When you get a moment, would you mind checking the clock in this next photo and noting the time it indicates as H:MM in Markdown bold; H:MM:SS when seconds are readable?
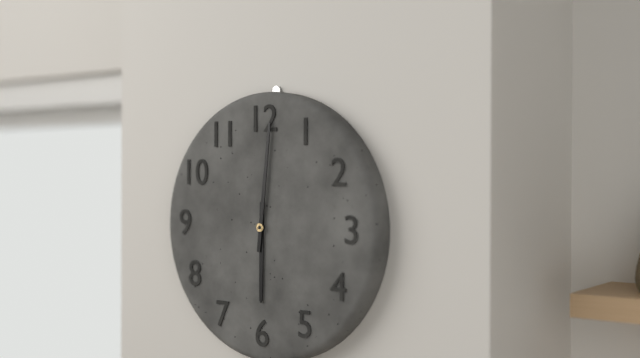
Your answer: **6:01**
